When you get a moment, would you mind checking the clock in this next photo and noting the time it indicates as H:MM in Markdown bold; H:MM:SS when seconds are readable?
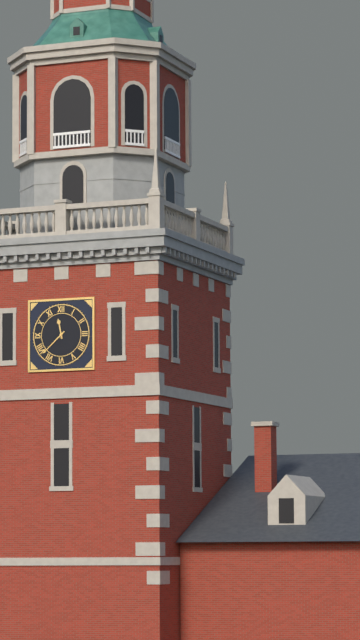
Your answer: **11:38**
